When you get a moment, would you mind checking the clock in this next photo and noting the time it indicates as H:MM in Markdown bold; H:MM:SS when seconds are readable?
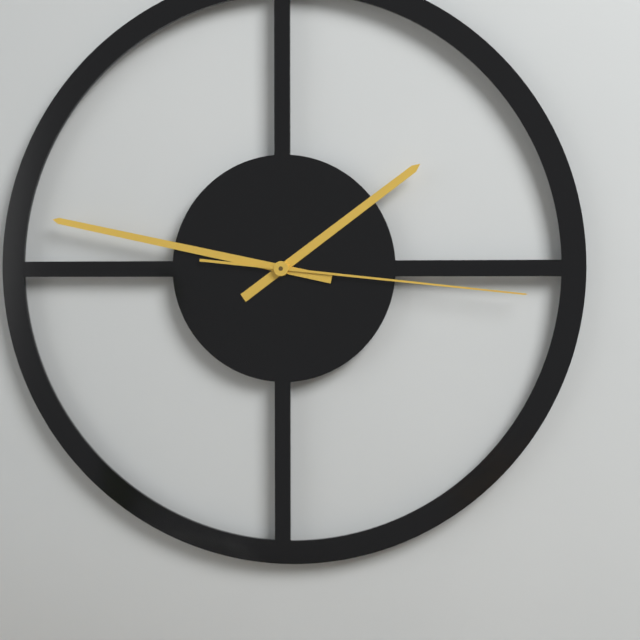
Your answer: **1:47:16**
